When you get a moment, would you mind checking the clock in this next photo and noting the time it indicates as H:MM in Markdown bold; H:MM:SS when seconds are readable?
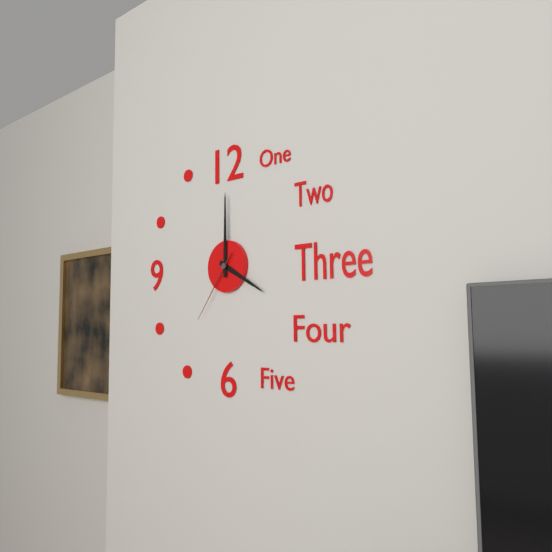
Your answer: **4:00:36**
